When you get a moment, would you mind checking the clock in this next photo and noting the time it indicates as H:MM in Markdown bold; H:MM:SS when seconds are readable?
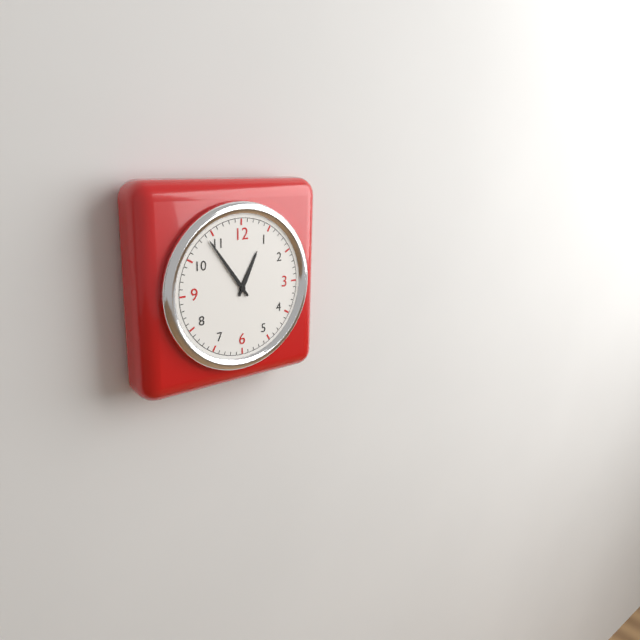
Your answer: **12:54**
